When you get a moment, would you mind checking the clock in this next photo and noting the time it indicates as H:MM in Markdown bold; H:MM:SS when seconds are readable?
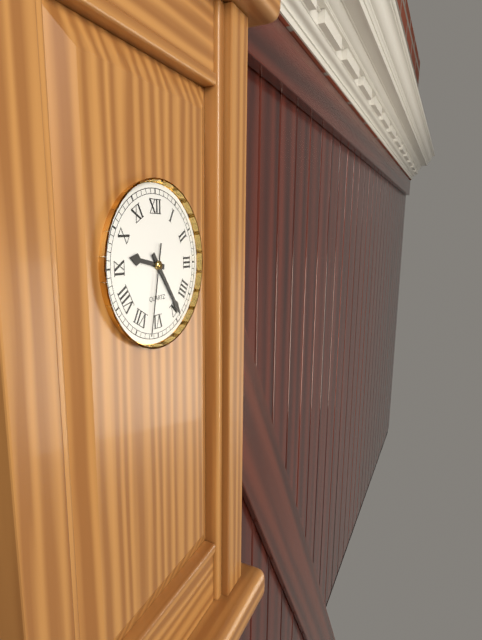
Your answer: **9:24:32**
